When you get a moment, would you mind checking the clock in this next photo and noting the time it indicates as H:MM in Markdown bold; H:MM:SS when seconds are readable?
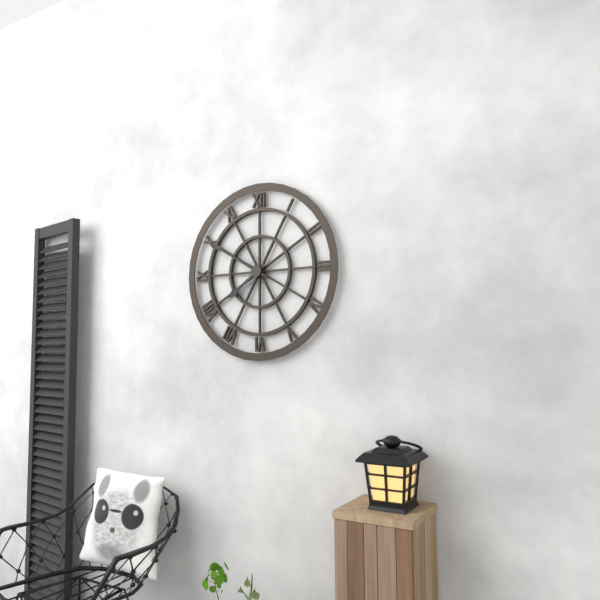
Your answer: **7:50**
